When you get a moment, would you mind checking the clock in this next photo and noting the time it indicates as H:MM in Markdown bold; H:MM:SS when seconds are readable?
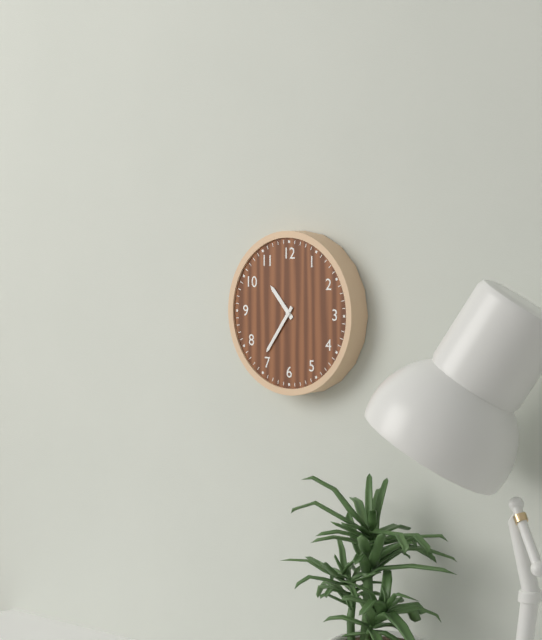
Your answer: **10:36**
